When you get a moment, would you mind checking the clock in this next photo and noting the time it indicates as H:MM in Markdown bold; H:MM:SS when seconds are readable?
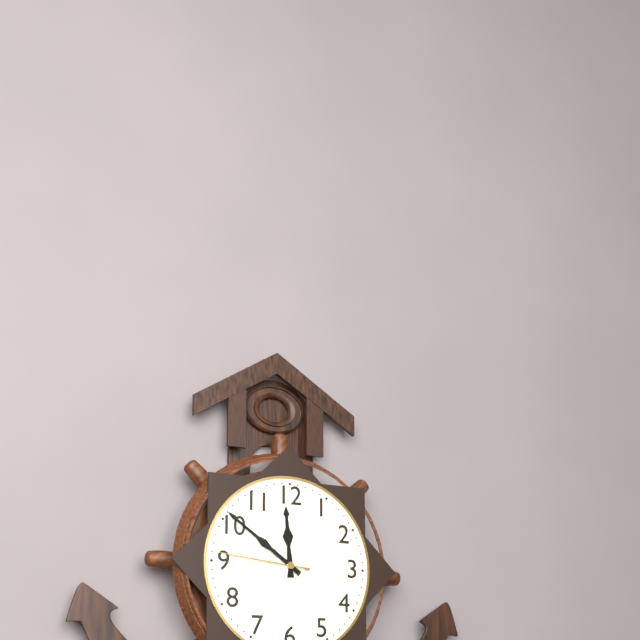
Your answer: **11:51:46**
